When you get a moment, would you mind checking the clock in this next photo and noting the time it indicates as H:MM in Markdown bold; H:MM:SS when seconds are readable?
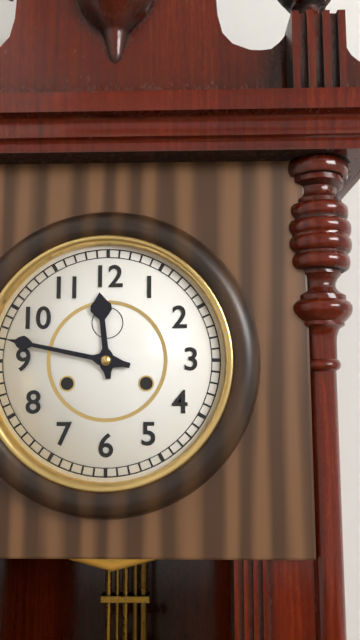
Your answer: **11:47**
